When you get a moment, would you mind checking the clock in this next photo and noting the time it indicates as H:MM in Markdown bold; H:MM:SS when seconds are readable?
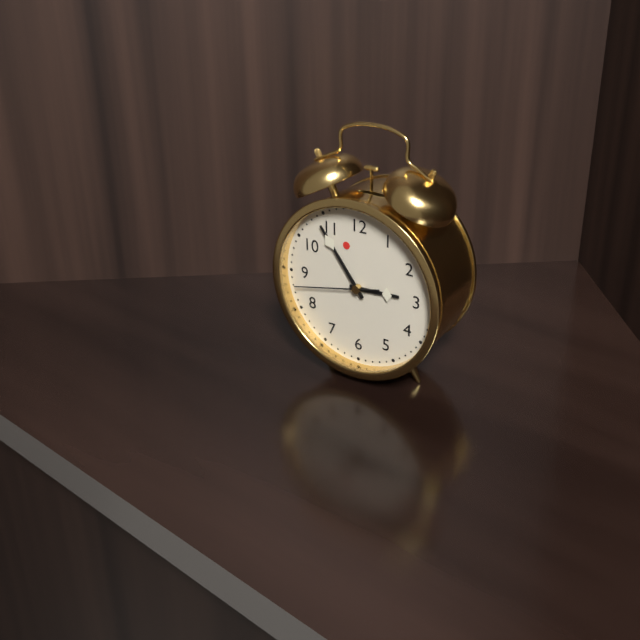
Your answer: **2:54:43**
